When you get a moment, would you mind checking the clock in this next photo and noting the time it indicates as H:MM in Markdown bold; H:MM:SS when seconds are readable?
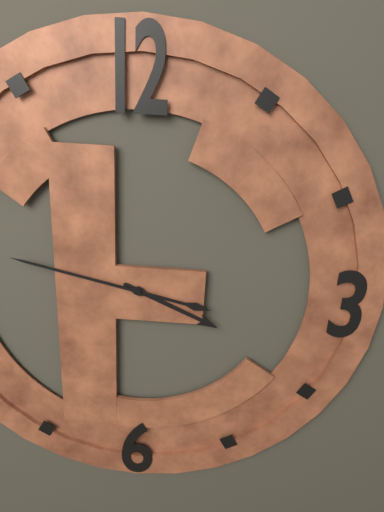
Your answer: **3:47**
